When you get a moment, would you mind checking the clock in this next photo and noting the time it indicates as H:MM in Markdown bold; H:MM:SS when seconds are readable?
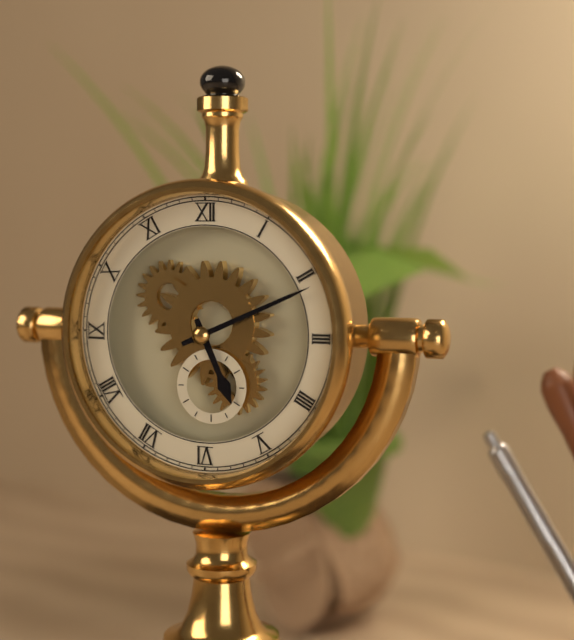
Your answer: **5:11**
